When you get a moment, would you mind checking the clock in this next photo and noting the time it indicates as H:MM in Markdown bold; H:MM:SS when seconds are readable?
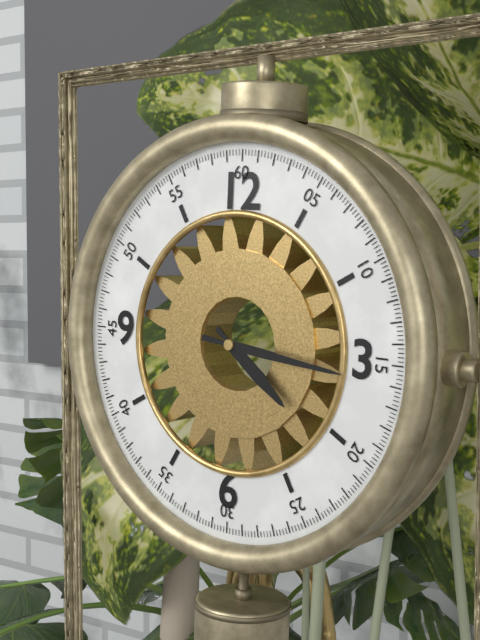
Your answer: **4:16**
